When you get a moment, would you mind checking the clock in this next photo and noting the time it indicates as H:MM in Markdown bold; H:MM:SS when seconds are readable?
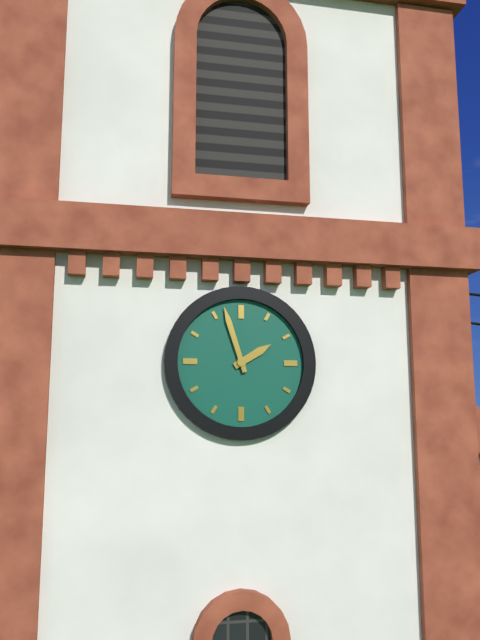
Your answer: **1:57**
